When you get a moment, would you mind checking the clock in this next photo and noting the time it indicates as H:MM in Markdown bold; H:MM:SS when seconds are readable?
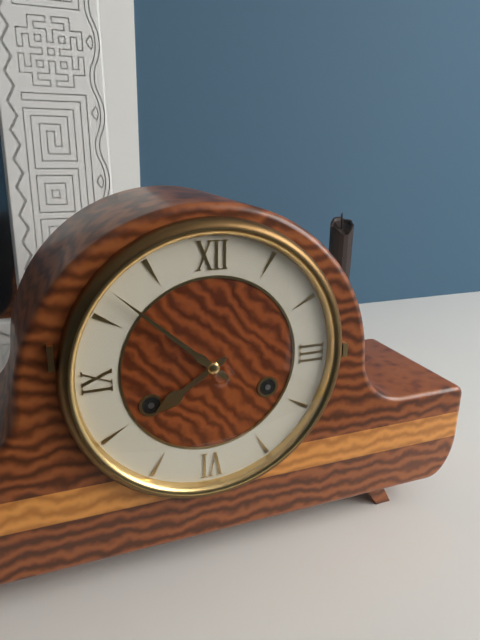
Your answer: **7:52**
